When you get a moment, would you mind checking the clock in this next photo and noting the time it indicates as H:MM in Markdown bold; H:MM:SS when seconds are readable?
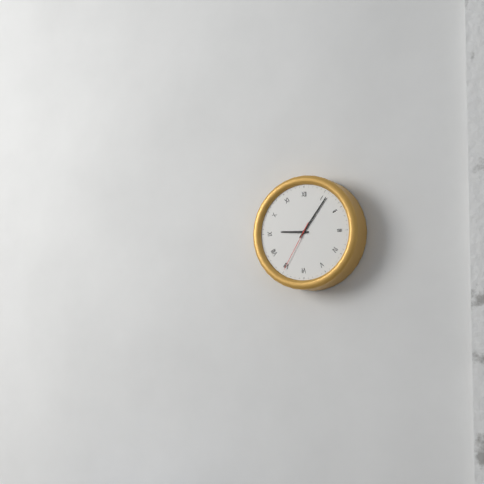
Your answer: **9:06:35**
